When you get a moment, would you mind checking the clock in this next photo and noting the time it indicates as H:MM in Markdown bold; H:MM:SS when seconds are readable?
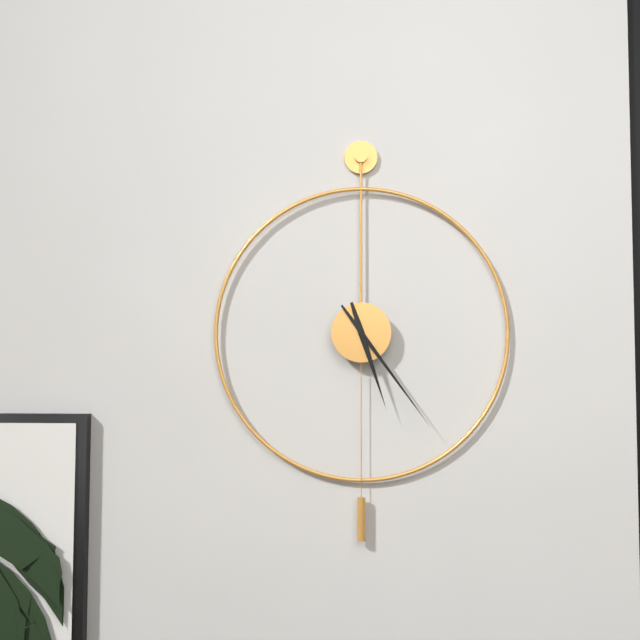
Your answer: **5:24**
